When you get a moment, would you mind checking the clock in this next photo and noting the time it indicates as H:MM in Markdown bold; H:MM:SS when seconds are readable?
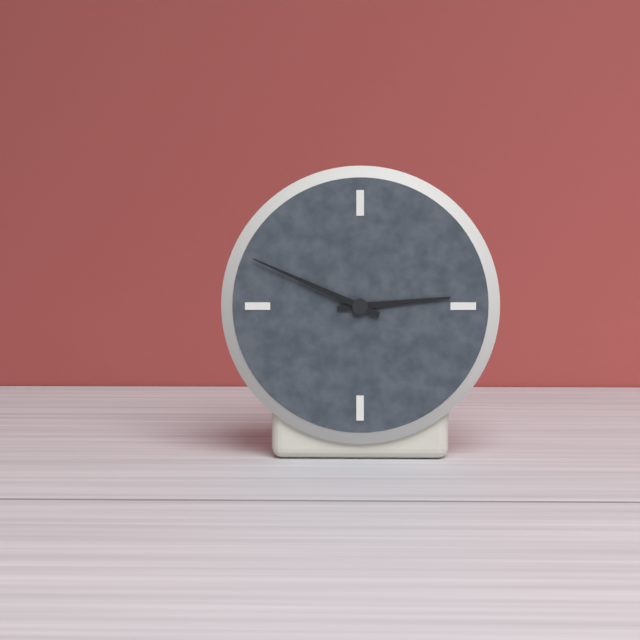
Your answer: **2:49**
